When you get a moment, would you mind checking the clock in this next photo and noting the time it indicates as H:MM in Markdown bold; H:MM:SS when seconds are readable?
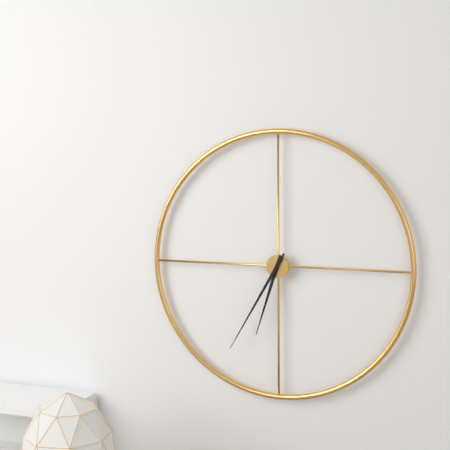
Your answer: **6:35**
